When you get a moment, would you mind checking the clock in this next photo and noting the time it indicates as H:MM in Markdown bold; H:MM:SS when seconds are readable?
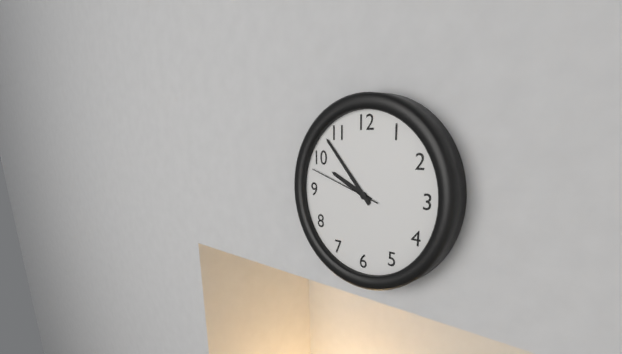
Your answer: **9:53:48**
